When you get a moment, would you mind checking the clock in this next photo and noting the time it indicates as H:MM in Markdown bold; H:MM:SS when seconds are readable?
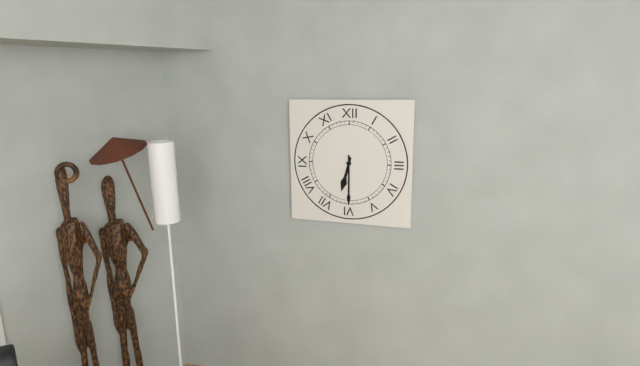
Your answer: **6:30**
